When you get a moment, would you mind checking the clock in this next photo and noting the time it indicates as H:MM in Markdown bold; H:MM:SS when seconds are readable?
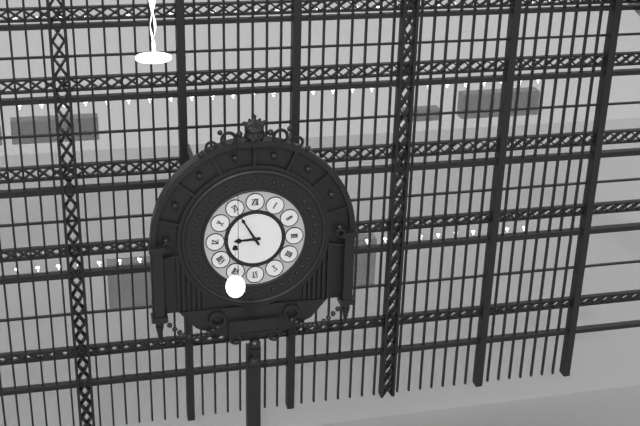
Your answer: **8:55**
